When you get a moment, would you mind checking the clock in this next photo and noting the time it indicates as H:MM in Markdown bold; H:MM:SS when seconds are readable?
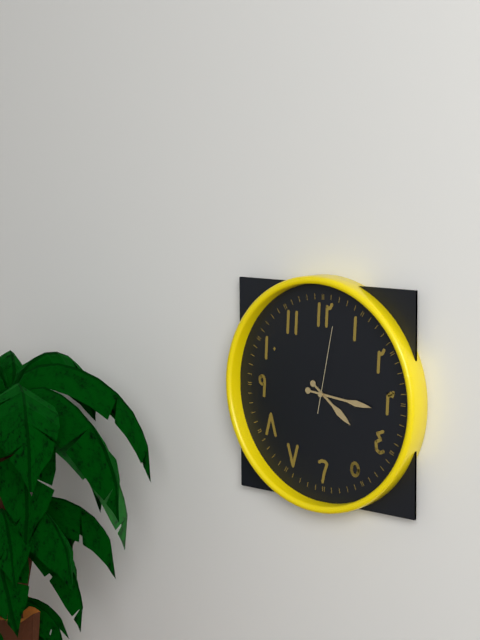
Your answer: **4:16:02**
